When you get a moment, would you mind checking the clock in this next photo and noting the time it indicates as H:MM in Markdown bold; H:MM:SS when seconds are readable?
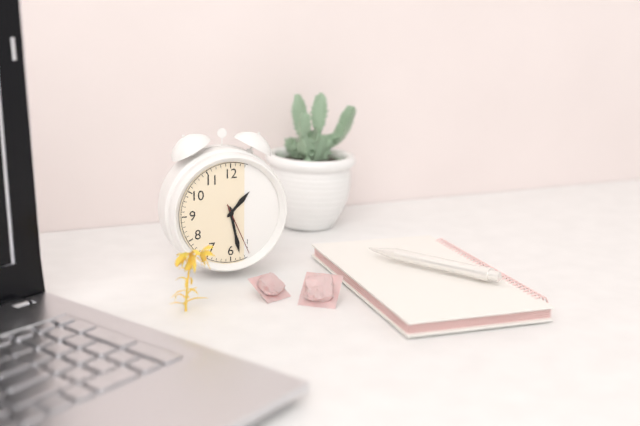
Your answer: **1:28:26**
